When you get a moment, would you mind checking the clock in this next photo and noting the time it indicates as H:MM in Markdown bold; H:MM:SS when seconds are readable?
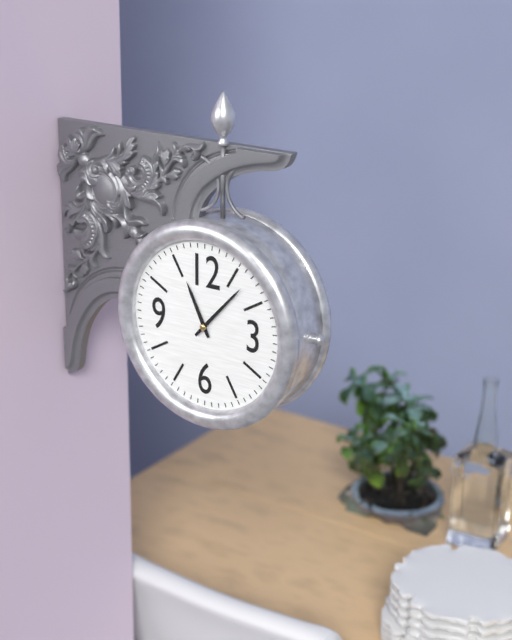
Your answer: **11:07**
